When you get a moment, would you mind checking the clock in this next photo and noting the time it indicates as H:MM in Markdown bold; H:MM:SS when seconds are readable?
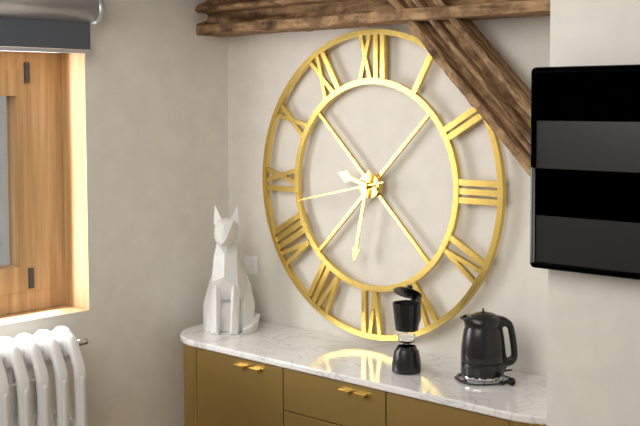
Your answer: **9:32:43**
